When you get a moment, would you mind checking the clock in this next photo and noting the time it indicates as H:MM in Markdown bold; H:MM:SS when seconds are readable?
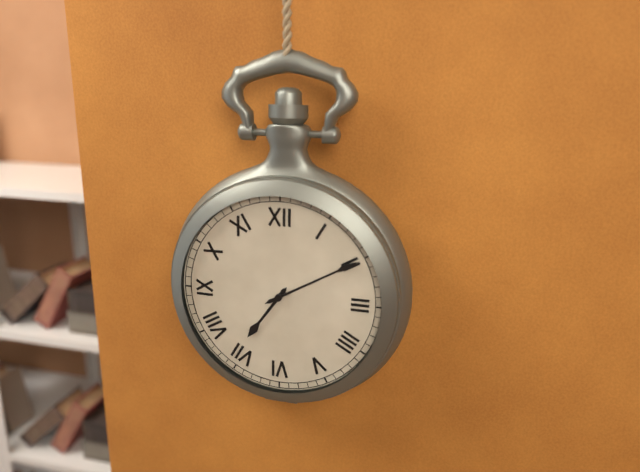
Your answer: **7:10**
